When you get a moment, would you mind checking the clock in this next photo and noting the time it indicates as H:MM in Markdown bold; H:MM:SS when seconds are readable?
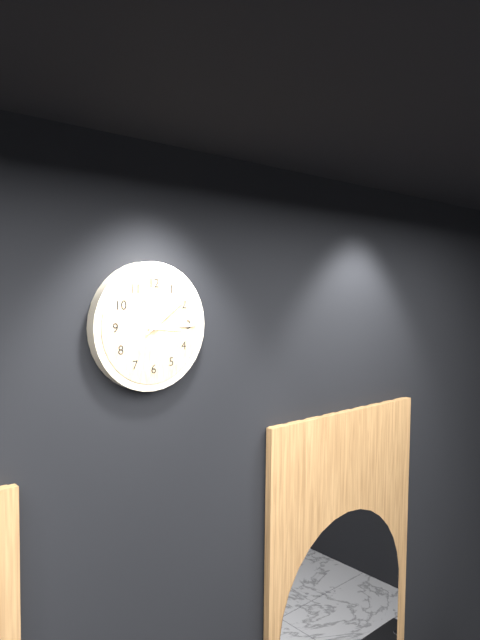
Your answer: **3:15:09**
